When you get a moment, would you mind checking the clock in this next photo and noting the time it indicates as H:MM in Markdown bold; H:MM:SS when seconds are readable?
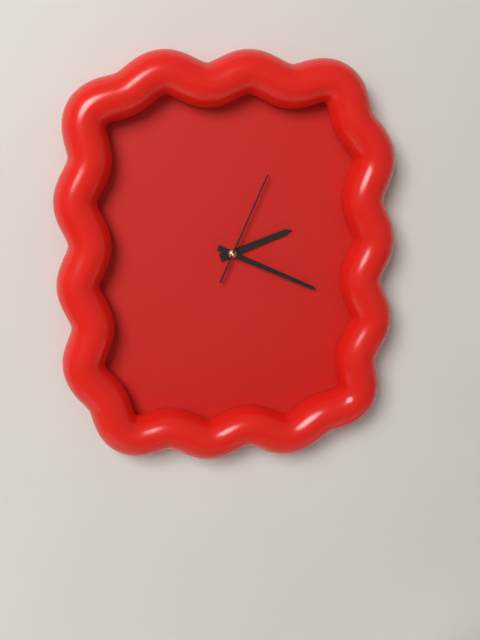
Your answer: **2:19:04**
